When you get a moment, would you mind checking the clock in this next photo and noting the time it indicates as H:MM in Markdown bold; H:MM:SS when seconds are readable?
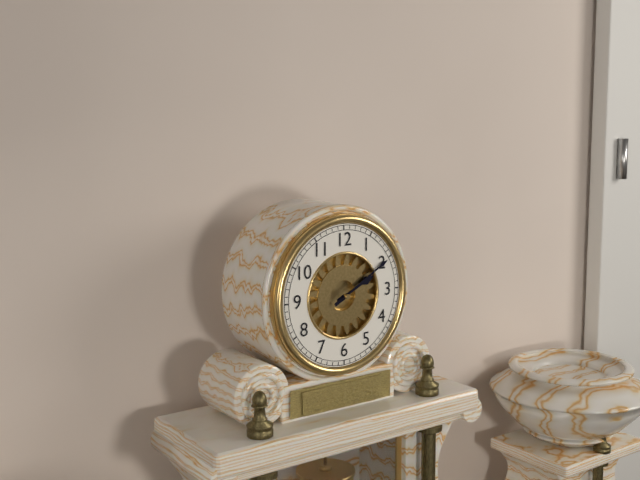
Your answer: **2:10**
